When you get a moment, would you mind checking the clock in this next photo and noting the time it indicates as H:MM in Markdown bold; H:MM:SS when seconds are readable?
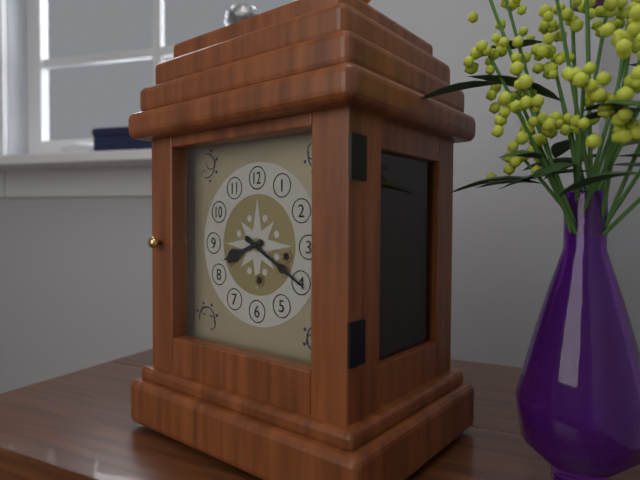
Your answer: **8:20**
